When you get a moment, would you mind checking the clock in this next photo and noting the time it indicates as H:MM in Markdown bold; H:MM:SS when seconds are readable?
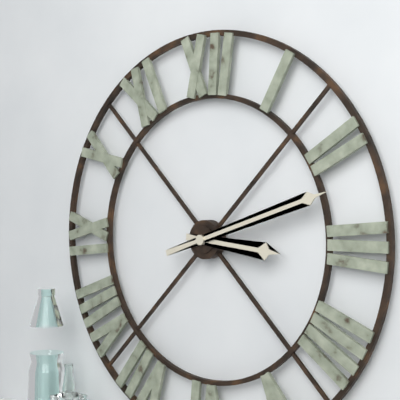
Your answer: **3:12**
